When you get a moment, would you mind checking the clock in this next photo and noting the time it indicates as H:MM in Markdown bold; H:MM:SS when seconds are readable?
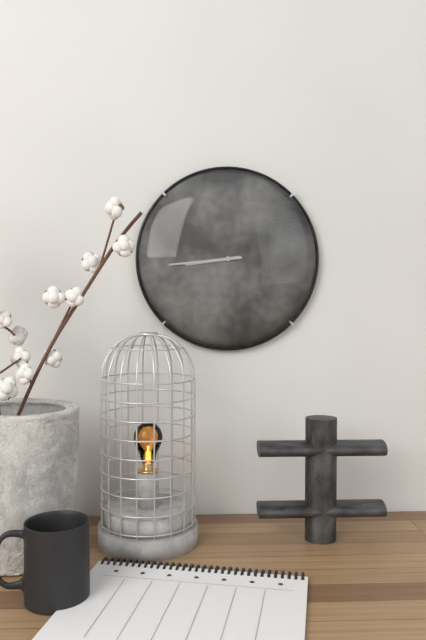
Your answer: **8:44**
